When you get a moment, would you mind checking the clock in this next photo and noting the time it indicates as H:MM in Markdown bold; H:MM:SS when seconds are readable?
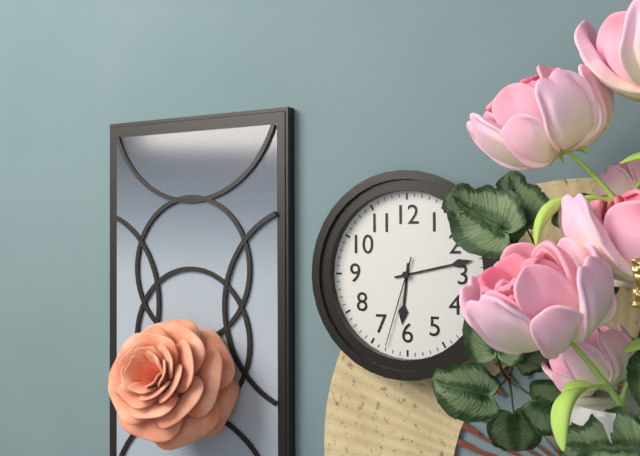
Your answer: **6:13:33**
